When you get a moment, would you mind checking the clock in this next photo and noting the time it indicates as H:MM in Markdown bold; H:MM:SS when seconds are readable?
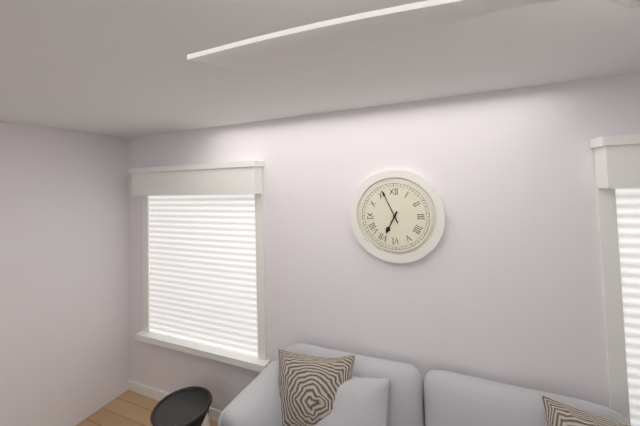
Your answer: **6:56**
